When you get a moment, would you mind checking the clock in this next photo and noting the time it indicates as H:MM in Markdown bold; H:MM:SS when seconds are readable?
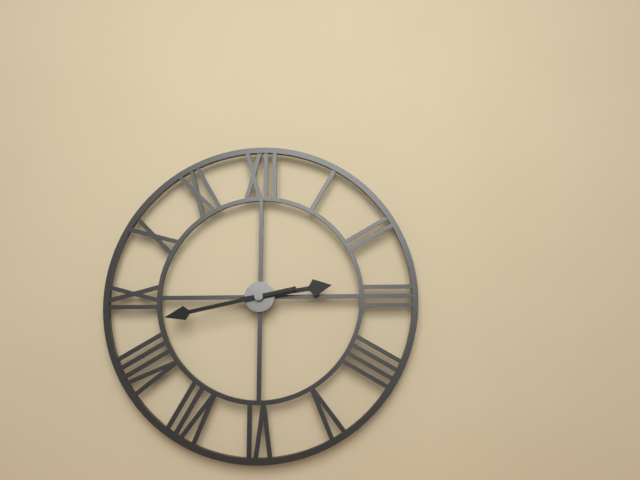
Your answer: **2:43**
